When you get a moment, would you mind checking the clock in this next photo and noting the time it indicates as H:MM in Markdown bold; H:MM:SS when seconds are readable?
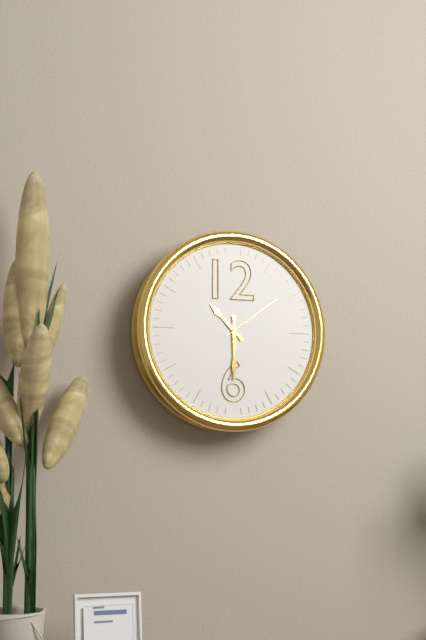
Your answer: **10:30:09**
